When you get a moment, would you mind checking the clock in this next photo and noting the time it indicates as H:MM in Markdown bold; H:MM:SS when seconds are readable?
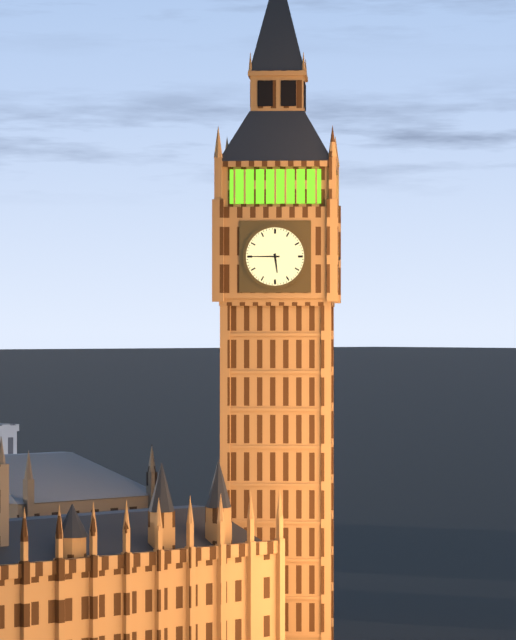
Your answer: **5:45**
